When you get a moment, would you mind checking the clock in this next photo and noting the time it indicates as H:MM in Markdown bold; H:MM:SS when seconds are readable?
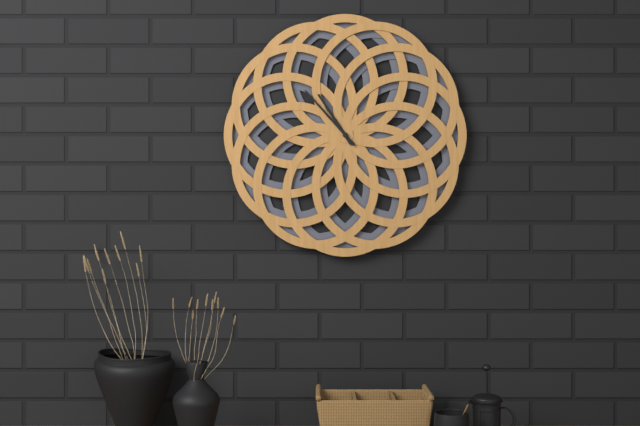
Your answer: **10:53**
